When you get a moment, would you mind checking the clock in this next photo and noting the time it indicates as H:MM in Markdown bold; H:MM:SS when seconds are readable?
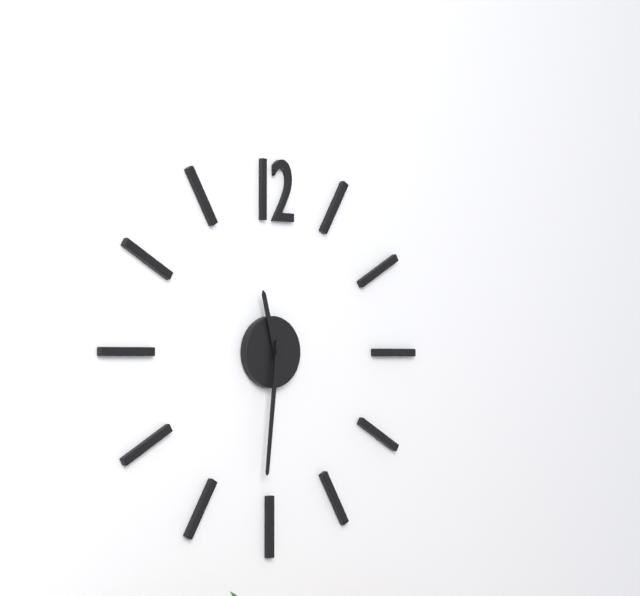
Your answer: **11:31**
